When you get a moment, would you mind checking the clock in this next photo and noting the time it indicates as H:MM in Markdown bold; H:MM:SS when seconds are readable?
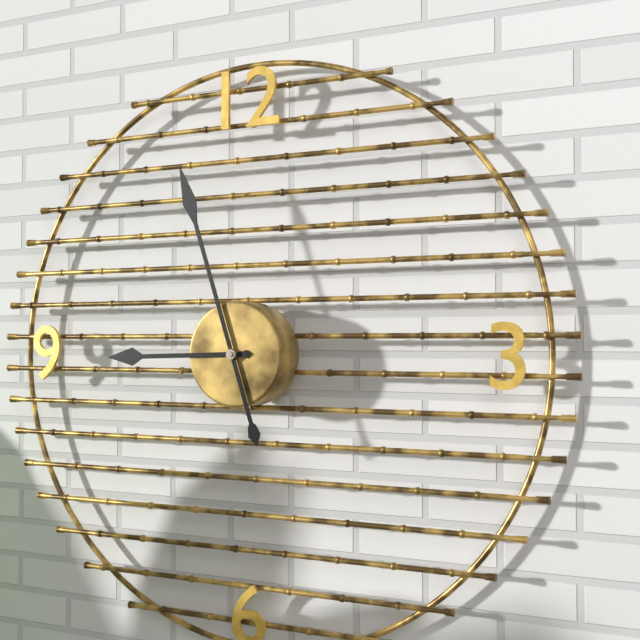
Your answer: **8:57**
